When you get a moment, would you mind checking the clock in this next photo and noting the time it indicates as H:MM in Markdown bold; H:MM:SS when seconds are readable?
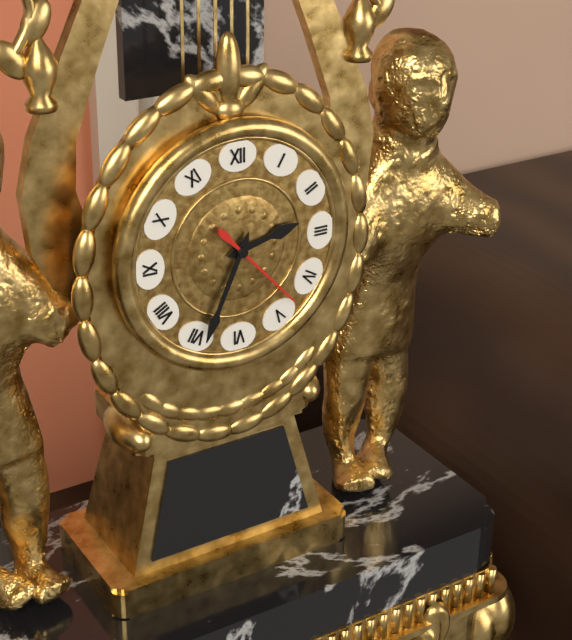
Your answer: **2:34:23**
